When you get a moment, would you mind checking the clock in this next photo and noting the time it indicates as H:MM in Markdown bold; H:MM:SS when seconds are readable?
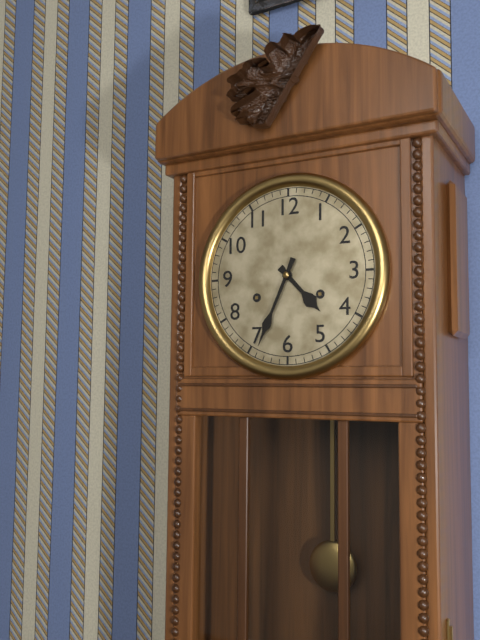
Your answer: **4:34**
